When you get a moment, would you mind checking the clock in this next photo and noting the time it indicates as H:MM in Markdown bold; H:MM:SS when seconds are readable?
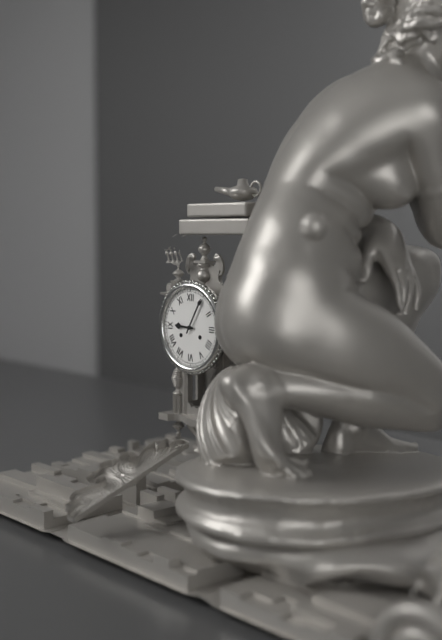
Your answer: **9:05**
